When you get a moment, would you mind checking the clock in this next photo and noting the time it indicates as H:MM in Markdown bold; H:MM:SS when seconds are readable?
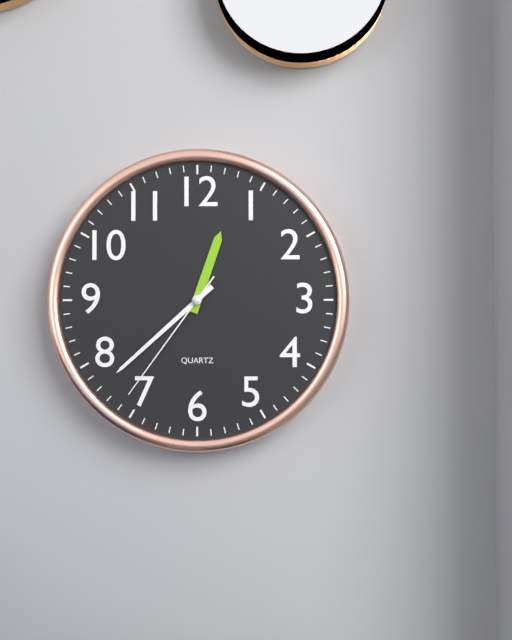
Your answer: **12:38:36**
